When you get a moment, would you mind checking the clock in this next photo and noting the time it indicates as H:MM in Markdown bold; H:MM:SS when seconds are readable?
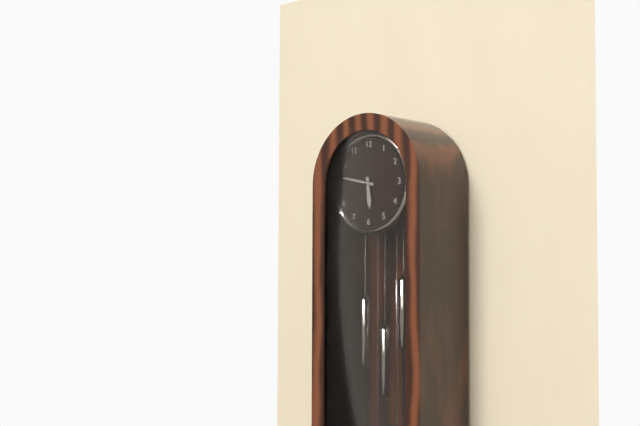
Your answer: **5:47**
